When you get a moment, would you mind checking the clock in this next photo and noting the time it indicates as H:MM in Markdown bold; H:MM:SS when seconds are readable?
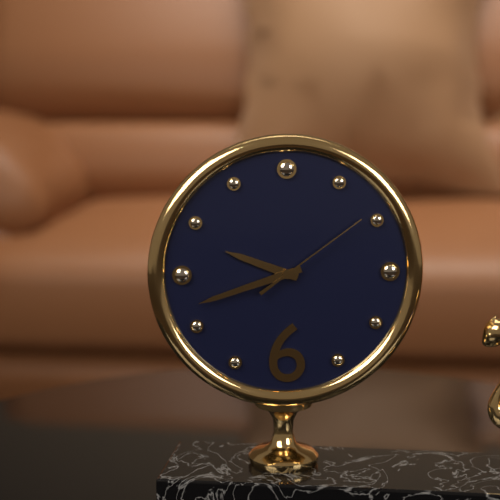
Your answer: **9:42:09**
